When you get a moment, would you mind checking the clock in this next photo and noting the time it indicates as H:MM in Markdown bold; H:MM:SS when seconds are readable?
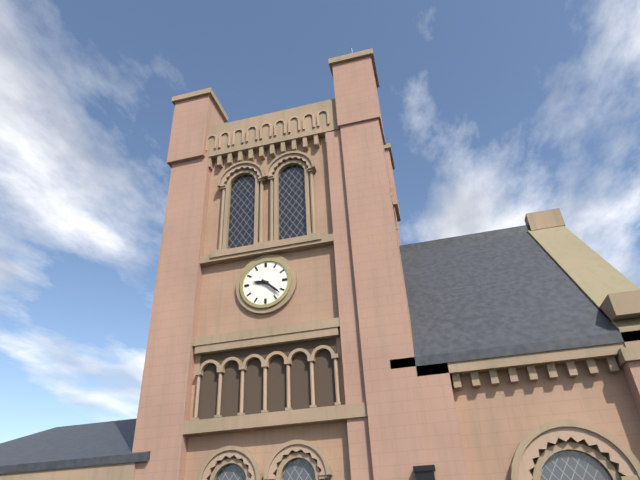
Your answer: **9:22**
